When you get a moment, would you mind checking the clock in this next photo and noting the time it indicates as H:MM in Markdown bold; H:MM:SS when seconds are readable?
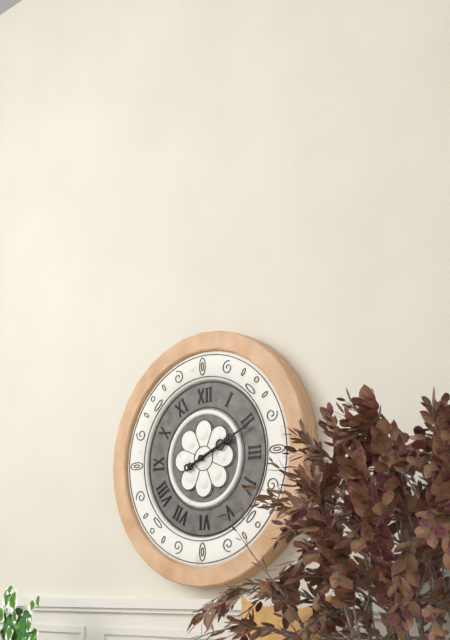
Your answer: **2:11**
